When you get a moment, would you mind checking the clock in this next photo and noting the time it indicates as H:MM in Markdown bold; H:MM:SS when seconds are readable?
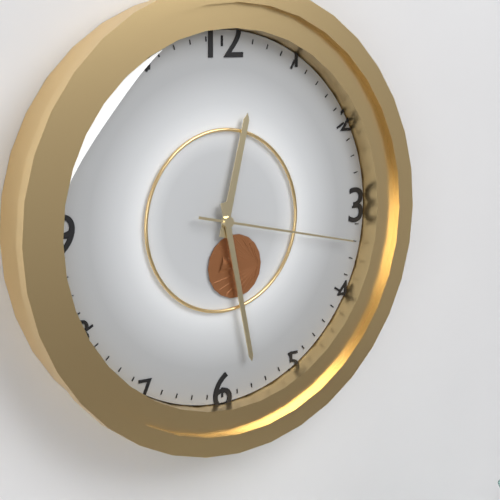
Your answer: **12:28:17**
